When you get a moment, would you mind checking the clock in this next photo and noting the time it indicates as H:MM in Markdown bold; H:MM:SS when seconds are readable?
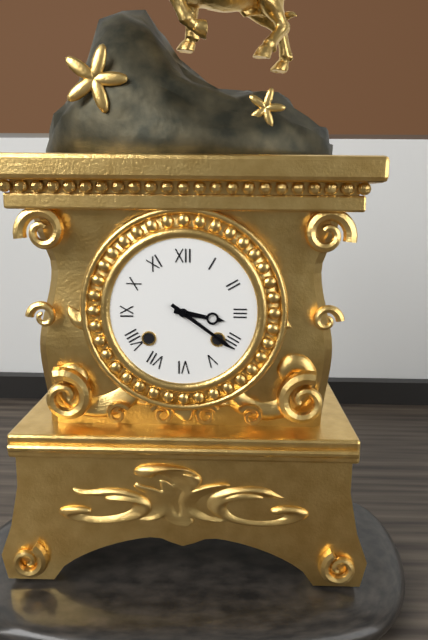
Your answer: **3:21**
